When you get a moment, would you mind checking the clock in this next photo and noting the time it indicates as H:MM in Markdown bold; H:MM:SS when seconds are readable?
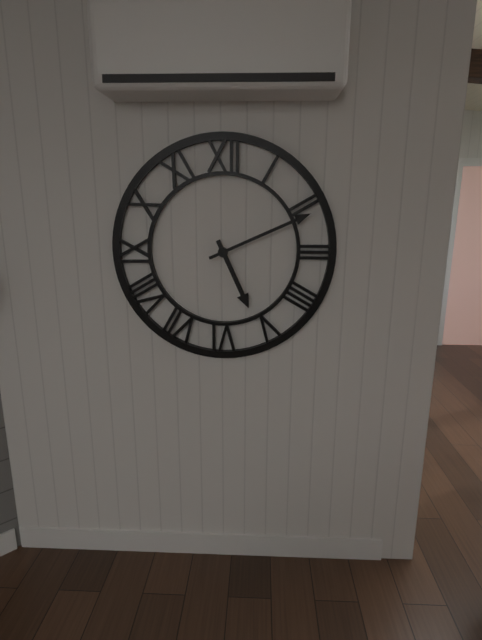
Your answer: **5:11**
